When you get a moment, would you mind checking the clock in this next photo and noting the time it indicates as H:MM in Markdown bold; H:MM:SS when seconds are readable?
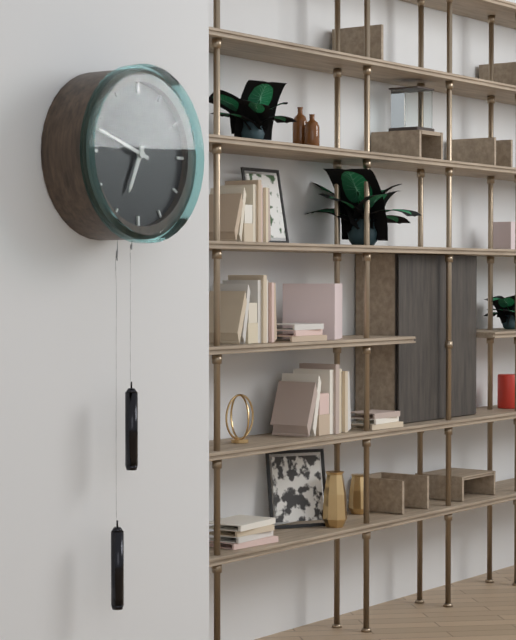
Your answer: **6:48**
